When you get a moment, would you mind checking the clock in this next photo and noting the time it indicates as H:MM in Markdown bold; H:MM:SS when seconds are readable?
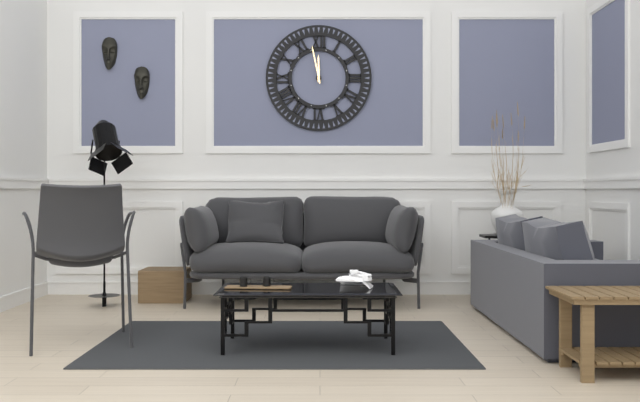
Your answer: **11:58**
